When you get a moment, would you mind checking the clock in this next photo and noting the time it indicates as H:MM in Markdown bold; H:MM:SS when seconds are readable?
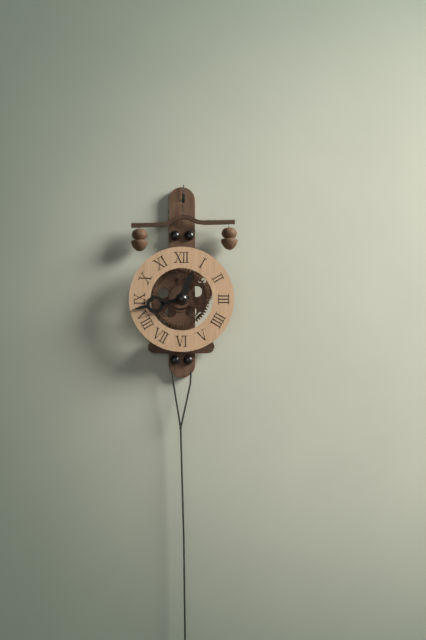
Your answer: **12:43**
